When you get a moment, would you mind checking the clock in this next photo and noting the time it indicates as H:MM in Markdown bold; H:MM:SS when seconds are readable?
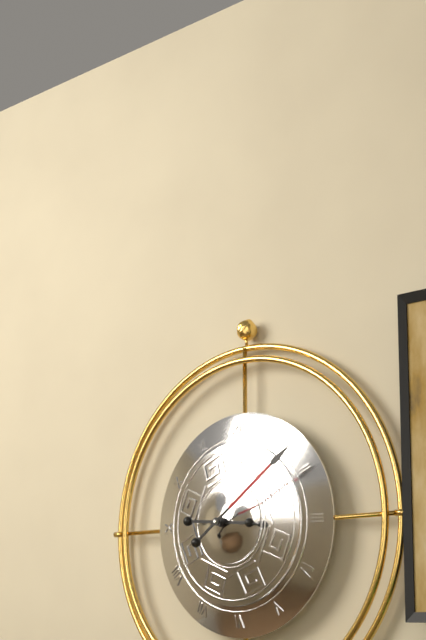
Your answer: **9:09**
